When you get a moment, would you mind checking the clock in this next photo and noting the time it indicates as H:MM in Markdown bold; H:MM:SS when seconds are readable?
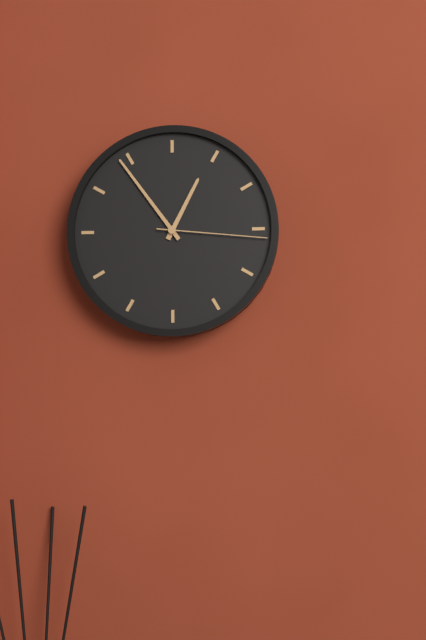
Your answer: **12:54:16**
